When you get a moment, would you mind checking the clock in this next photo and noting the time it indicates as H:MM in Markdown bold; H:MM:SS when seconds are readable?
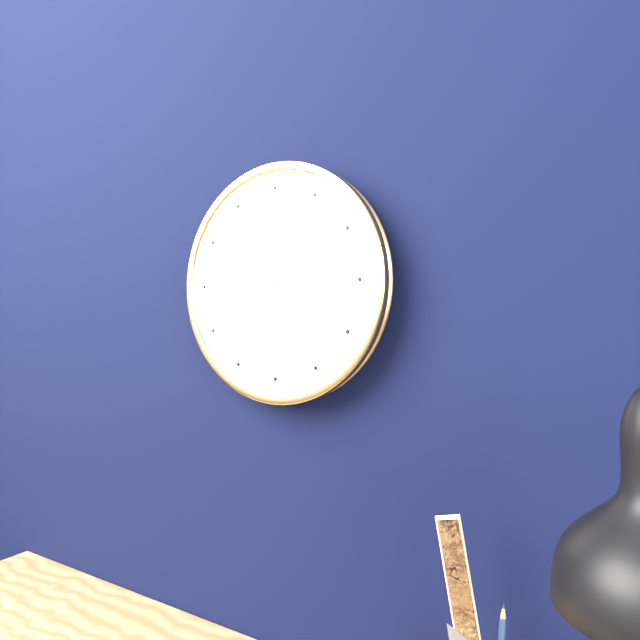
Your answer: **9:51**
